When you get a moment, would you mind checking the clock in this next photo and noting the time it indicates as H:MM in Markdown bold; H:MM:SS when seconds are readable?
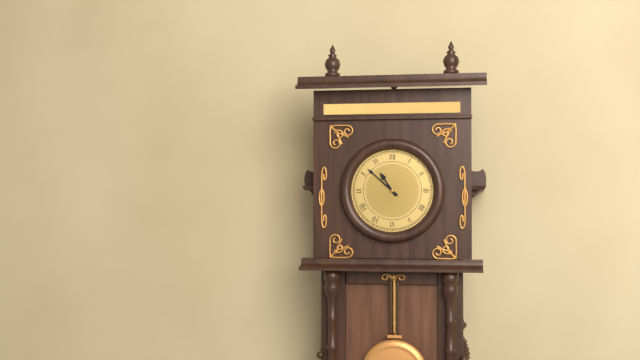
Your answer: **10:52**
